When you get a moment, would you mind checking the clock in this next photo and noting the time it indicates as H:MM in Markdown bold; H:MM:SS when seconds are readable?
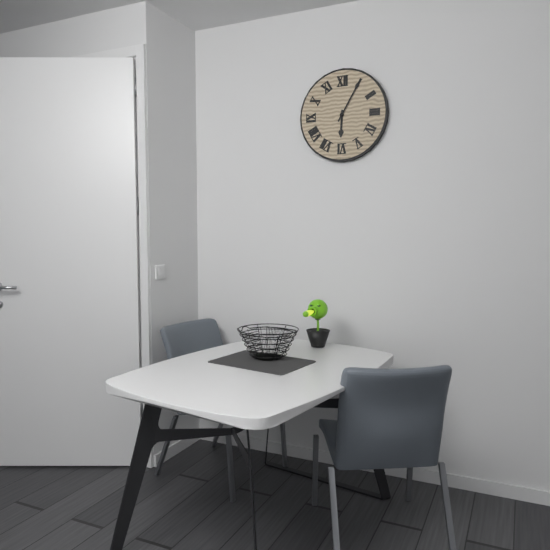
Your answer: **6:05**
